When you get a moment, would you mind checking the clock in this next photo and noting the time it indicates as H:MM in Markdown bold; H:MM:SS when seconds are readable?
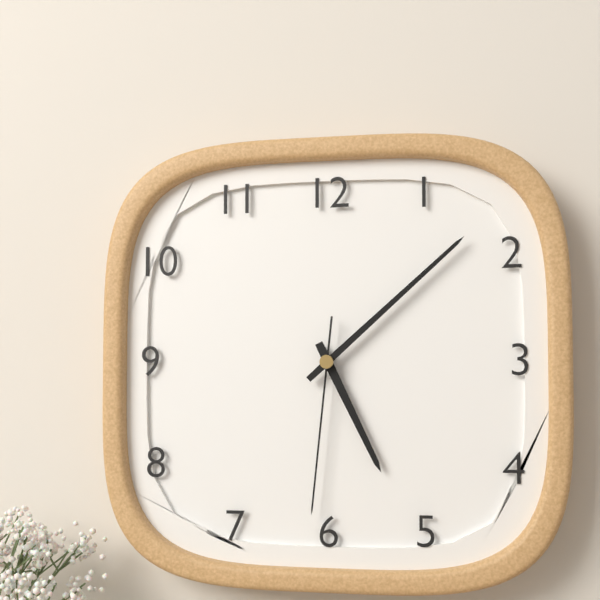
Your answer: **5:08:31**
